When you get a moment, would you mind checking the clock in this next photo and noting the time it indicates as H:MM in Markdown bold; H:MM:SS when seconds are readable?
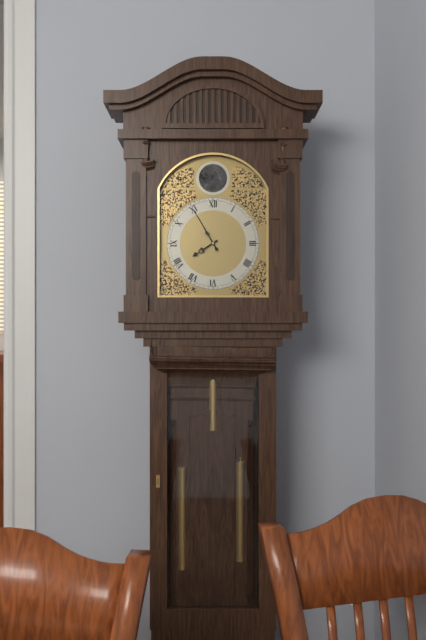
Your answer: **7:55**
